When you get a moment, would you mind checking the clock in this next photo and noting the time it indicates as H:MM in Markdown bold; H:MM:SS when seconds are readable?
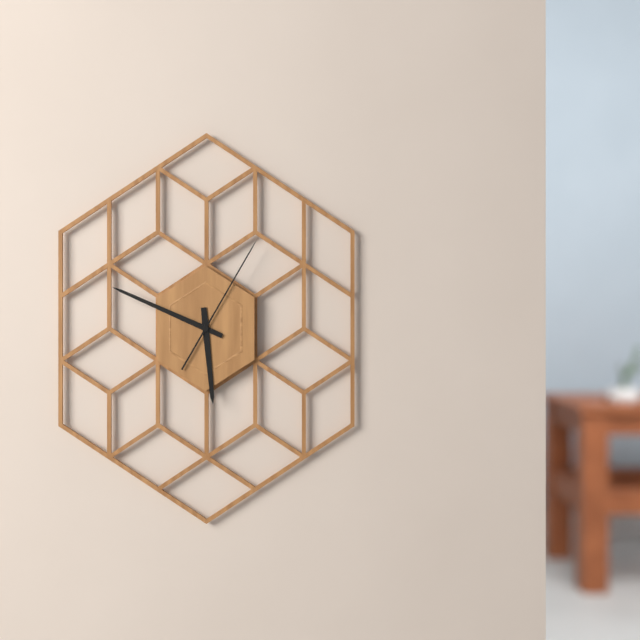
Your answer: **5:49:05**
